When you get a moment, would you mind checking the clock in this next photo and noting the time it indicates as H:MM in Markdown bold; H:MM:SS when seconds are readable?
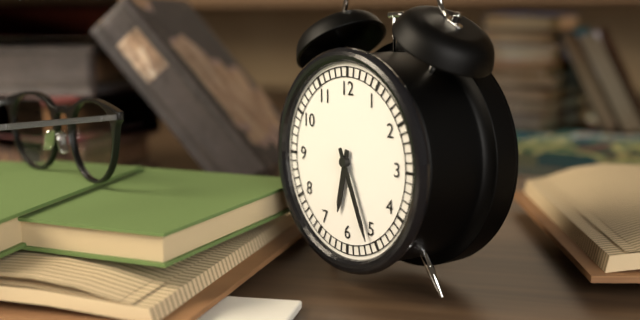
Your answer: **6:26**
